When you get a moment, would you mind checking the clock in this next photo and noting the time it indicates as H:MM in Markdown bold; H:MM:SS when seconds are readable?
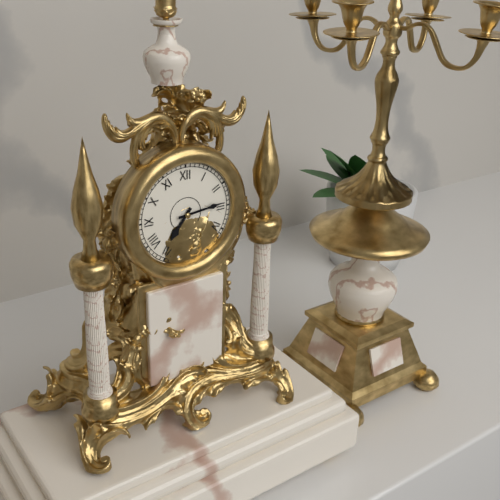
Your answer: **7:14**
